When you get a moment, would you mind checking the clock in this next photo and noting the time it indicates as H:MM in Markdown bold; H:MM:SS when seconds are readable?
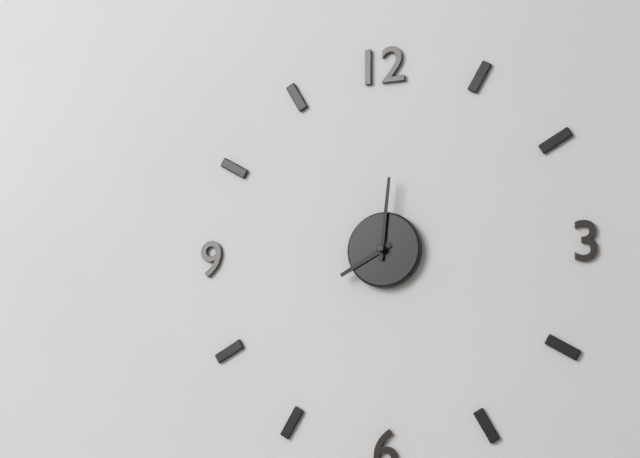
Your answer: **8:01**
